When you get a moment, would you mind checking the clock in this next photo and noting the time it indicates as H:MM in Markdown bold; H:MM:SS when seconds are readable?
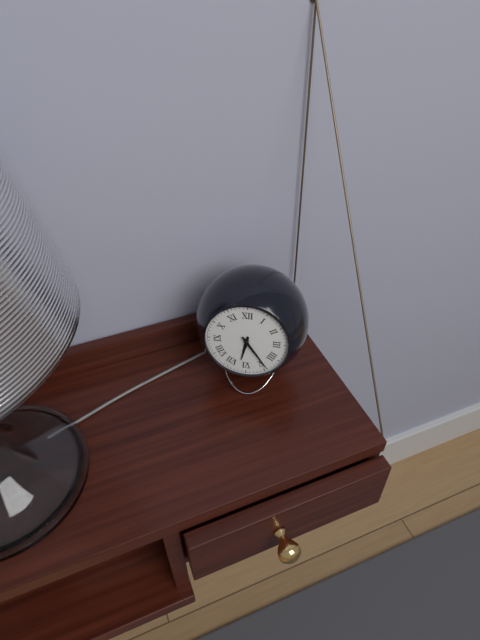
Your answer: **6:24**
